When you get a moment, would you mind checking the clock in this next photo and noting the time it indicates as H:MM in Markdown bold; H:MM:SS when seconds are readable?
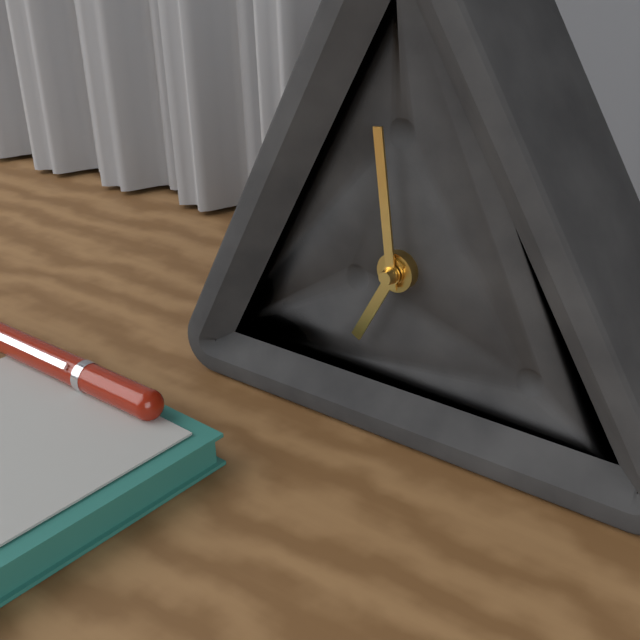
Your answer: **6:59**
